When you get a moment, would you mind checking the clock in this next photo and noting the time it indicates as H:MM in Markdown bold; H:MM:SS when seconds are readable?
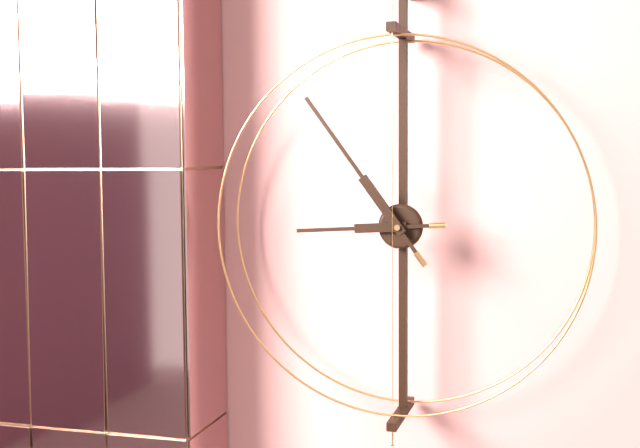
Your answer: **8:54**
